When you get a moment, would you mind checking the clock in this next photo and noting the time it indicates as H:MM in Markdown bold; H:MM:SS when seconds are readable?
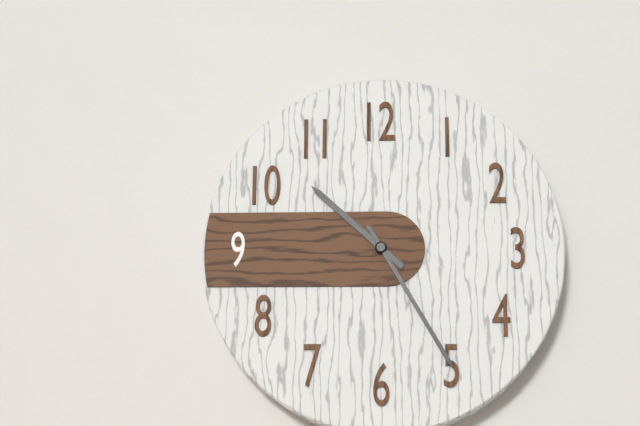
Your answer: **10:25**
